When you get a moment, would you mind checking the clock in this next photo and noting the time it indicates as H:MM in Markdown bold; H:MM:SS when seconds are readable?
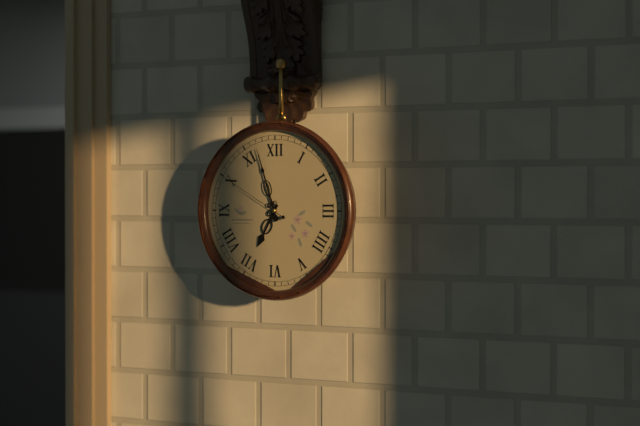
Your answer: **6:57:50**
